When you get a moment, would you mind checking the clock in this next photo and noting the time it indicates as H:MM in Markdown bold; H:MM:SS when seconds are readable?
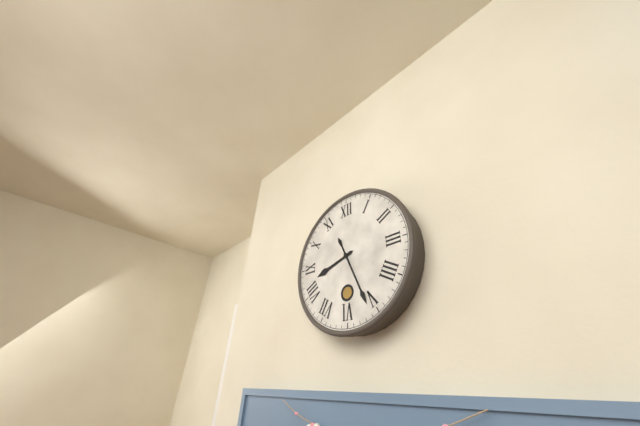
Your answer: **8:26**
